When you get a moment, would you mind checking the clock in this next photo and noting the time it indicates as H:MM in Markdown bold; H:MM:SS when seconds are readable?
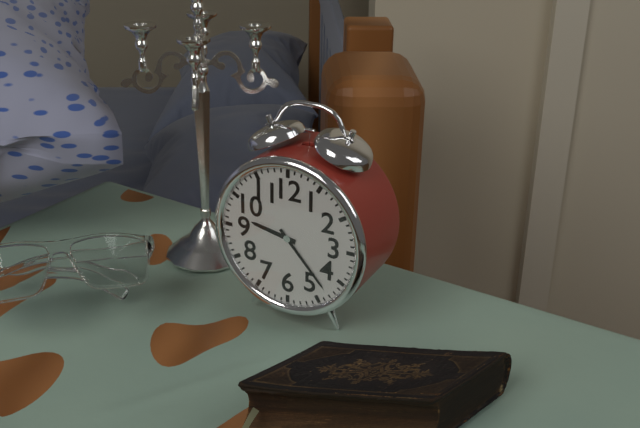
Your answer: **9:23**
